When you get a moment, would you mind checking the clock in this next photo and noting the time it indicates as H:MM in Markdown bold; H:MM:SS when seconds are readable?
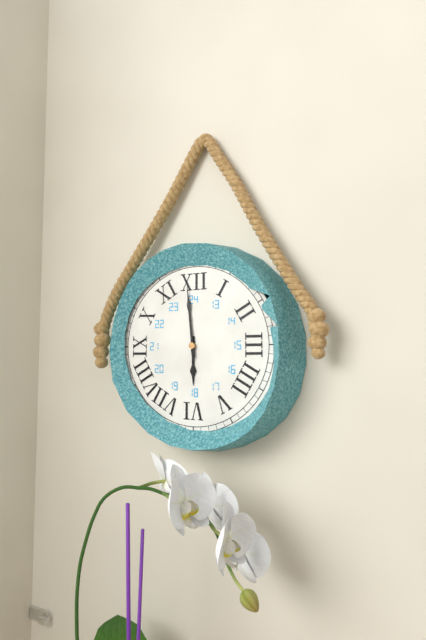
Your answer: **5:59**
